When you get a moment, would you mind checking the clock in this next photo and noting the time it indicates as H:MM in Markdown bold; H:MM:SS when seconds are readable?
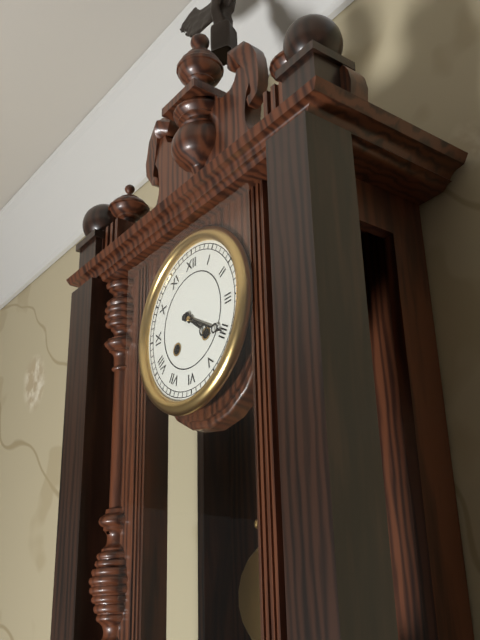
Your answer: **4:20**
